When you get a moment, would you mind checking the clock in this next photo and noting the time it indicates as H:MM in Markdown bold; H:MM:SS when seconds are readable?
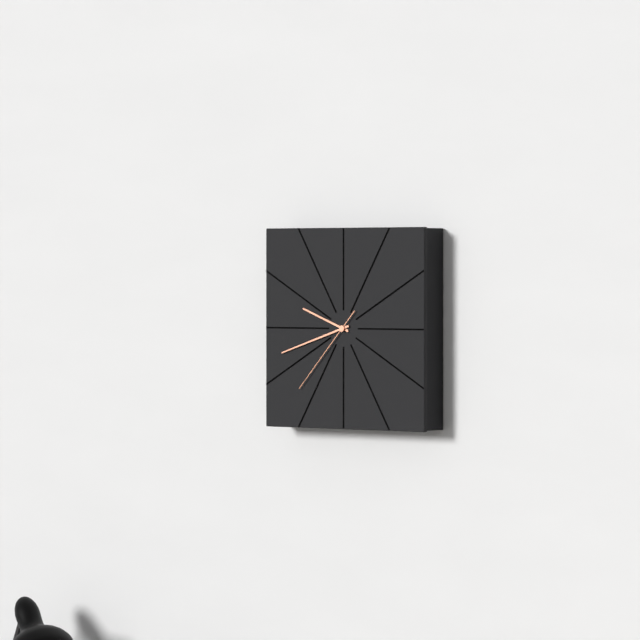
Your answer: **9:42:37**
